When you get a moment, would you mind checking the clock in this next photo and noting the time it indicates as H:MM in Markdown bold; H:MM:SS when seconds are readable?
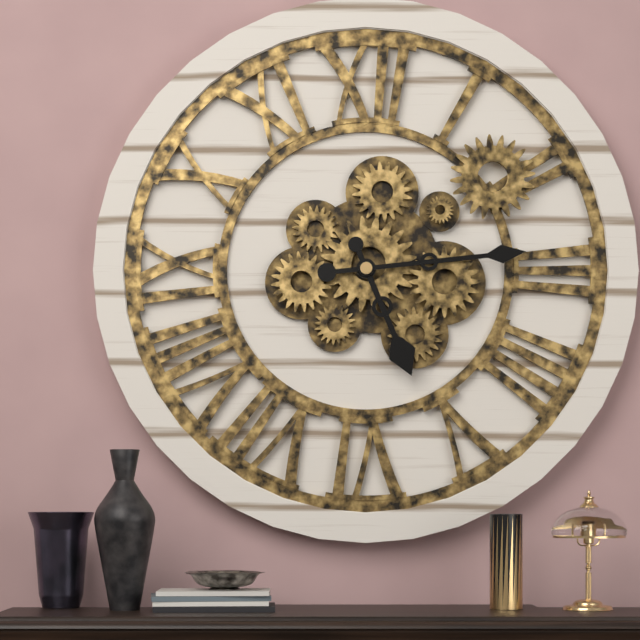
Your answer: **5:14**
